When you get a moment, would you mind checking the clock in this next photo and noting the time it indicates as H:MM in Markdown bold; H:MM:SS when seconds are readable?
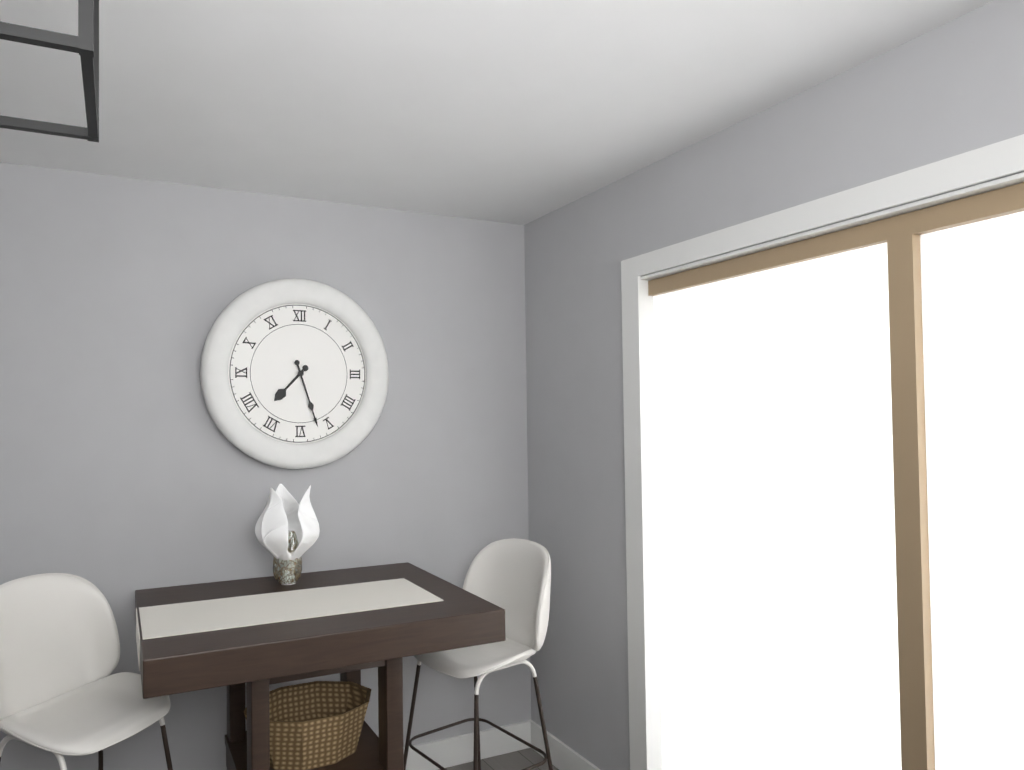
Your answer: **7:27**
